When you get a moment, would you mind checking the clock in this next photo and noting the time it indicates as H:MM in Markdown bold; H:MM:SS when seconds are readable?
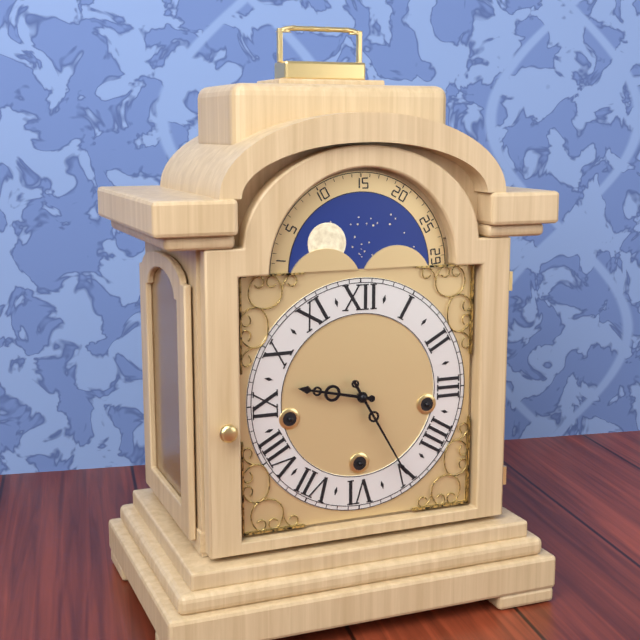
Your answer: **9:25**
